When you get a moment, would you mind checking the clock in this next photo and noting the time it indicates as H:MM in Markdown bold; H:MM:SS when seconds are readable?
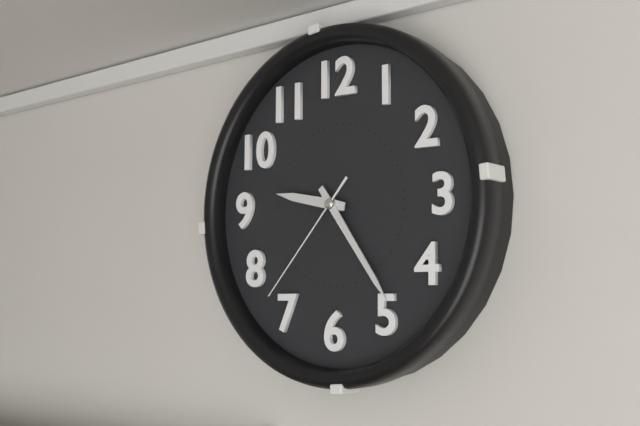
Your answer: **9:24:37**
